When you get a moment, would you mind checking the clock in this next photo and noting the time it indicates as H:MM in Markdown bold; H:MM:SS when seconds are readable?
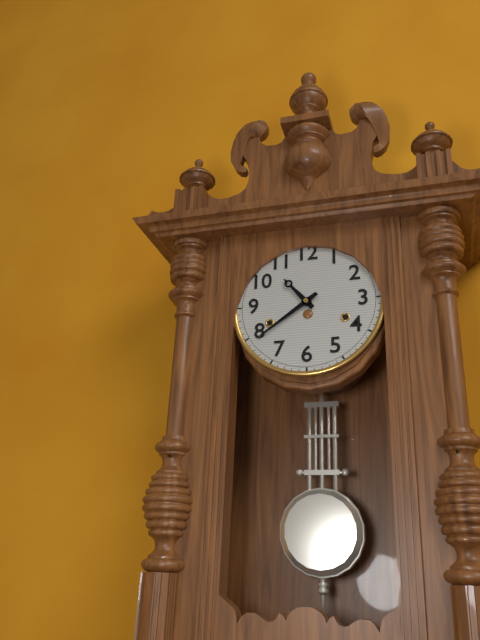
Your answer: **10:39**
